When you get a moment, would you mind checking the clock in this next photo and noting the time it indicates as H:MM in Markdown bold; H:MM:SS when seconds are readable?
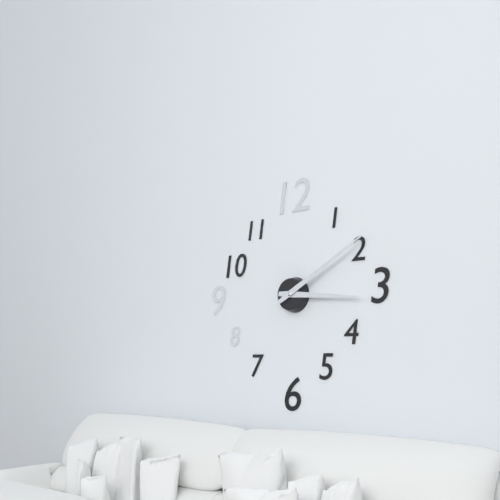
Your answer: **3:10**
